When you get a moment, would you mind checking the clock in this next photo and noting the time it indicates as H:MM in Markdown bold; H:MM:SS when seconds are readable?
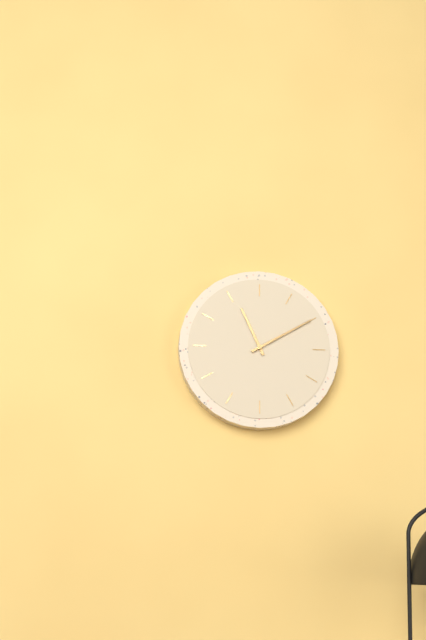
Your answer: **11:10**
